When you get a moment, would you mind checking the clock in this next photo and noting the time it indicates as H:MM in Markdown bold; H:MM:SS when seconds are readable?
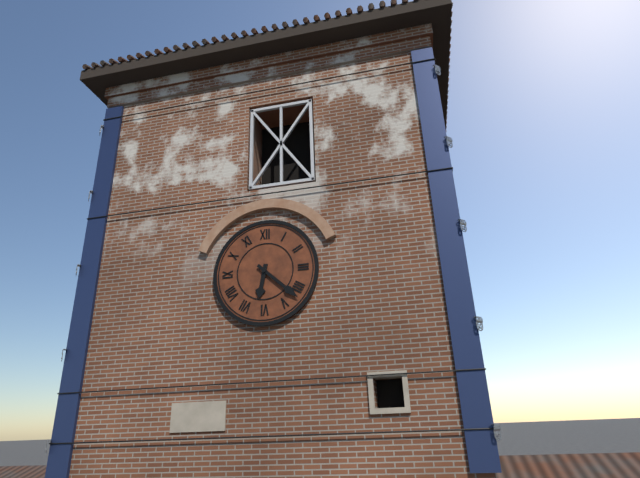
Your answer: **6:22**
